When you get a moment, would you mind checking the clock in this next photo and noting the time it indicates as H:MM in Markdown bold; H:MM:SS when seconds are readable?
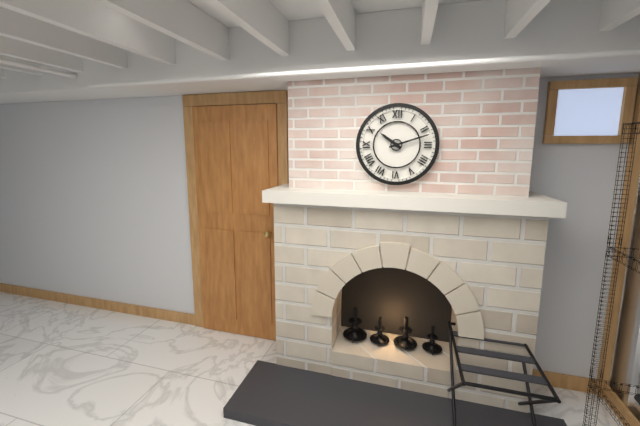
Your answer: **10:12**
